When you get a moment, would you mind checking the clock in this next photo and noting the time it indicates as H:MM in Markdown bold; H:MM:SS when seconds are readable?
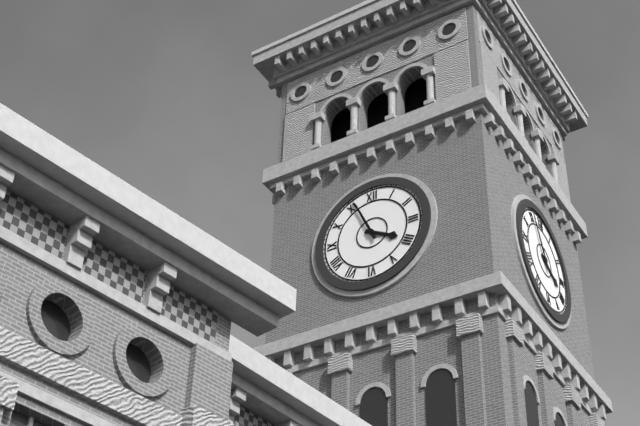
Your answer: **3:56**
